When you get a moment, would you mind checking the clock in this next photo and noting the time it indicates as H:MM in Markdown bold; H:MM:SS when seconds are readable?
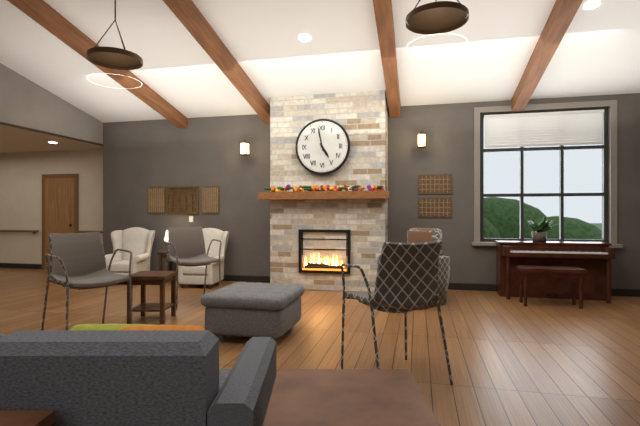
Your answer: **4:58**
